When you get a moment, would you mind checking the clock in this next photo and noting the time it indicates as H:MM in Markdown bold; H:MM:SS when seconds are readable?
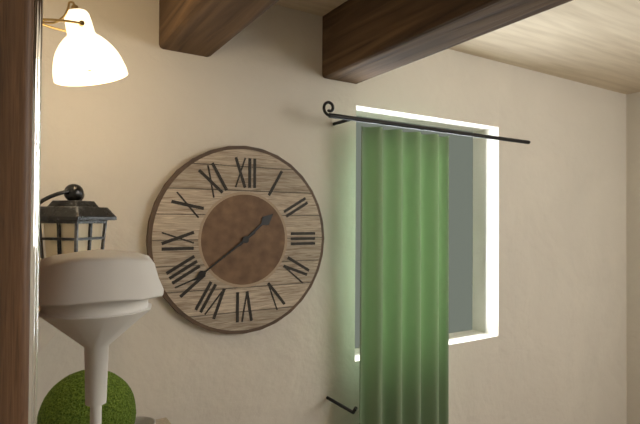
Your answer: **1:39**
